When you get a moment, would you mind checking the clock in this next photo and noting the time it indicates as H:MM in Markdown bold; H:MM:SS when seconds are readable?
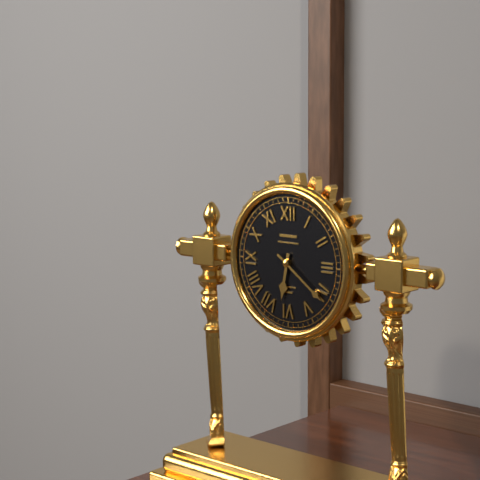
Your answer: **6:21**
